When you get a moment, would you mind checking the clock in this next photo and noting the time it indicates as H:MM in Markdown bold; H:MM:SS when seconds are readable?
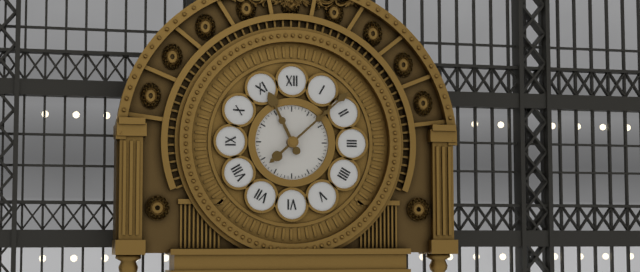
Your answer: **11:08**
